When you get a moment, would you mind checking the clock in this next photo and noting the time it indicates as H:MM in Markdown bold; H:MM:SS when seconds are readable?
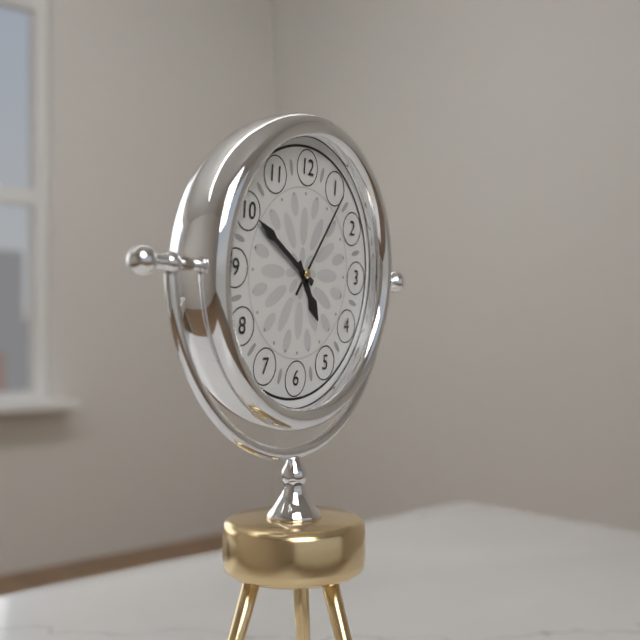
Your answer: **4:50:06**
